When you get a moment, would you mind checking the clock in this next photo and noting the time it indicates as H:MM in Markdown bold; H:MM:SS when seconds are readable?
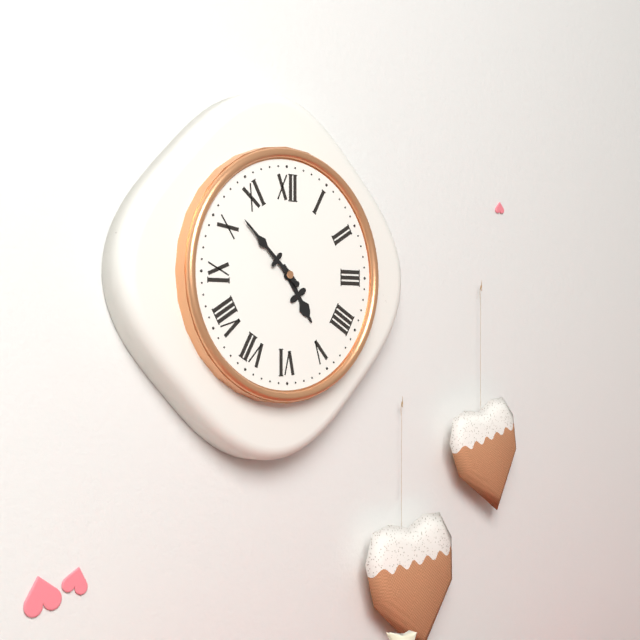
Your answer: **4:52**
